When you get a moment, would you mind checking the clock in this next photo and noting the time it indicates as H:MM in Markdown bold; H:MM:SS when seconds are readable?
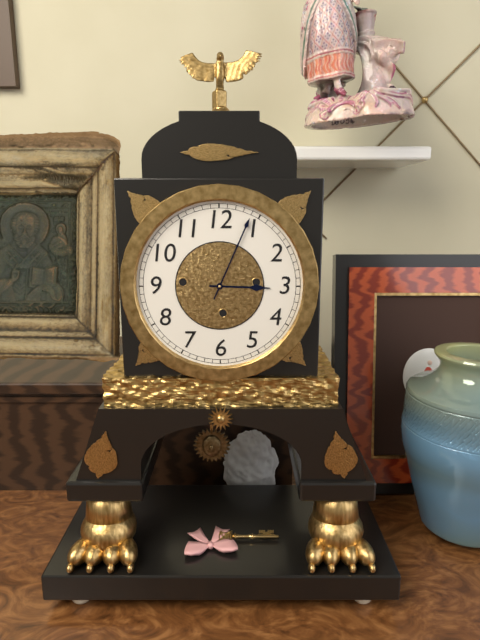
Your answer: **3:04**
